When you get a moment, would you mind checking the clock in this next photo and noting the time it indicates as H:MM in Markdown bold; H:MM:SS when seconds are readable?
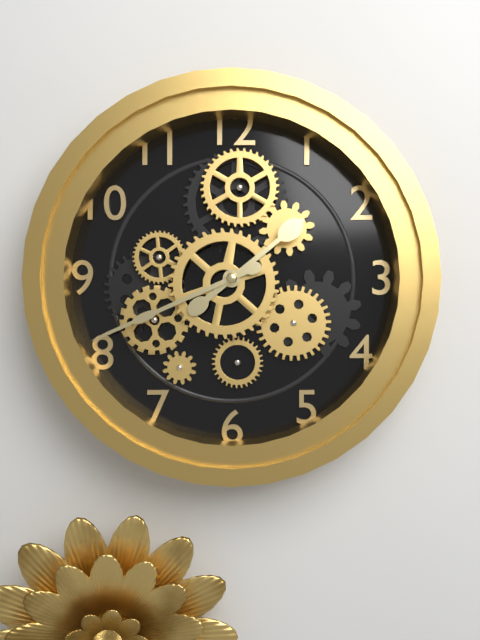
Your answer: **1:41**
